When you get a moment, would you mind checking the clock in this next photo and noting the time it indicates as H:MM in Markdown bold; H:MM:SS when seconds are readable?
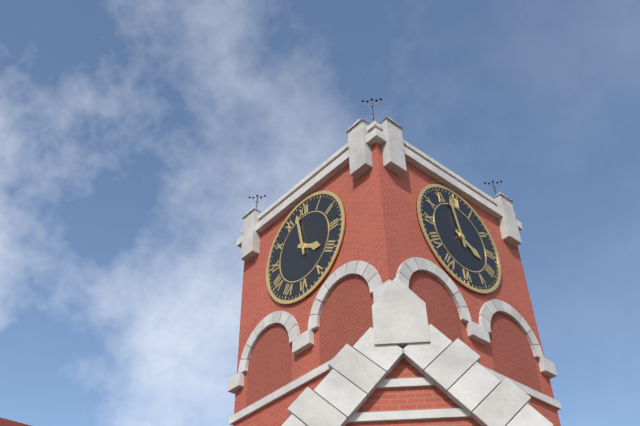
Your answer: **3:58**
